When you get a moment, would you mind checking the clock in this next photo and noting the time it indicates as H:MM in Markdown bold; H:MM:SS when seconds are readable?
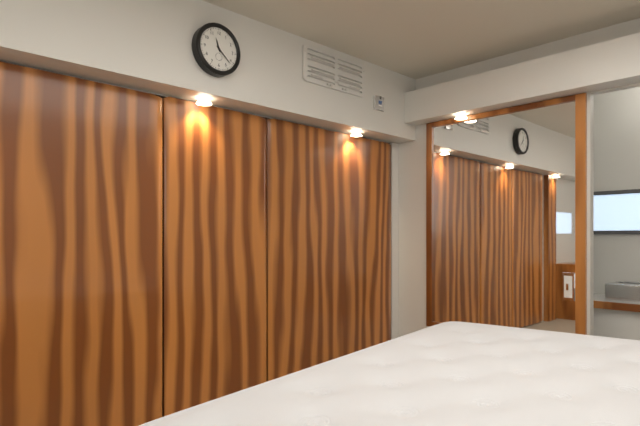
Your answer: **11:22**
